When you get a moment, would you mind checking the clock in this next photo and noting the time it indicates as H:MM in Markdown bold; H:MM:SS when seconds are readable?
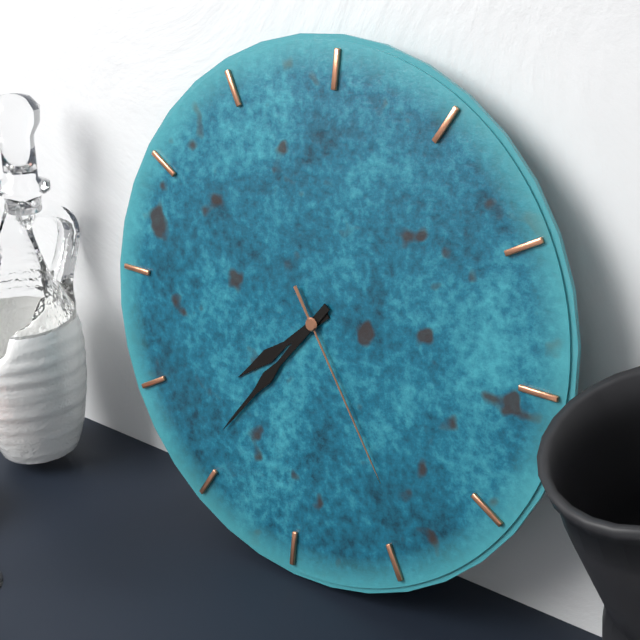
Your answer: **7:36:24**
